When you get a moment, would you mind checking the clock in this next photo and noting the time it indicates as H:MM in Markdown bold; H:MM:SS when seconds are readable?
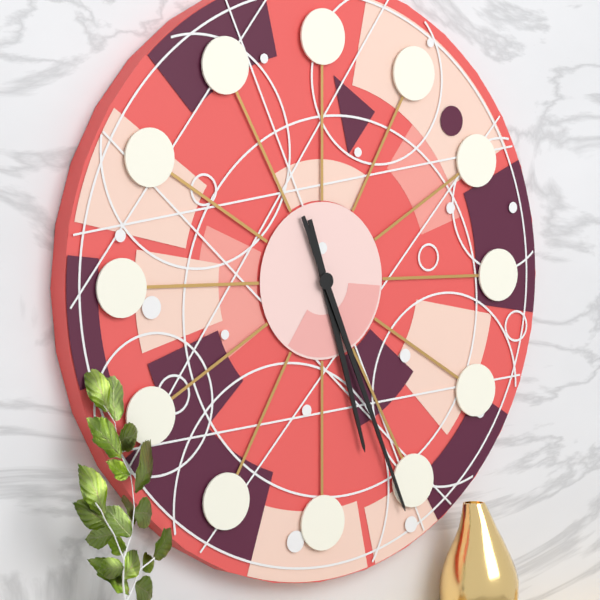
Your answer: **5:26**
